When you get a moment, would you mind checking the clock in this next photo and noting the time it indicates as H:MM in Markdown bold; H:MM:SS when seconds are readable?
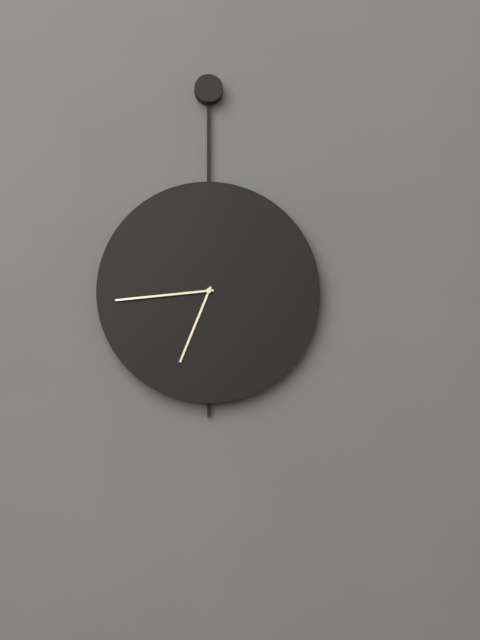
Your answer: **6:44**
